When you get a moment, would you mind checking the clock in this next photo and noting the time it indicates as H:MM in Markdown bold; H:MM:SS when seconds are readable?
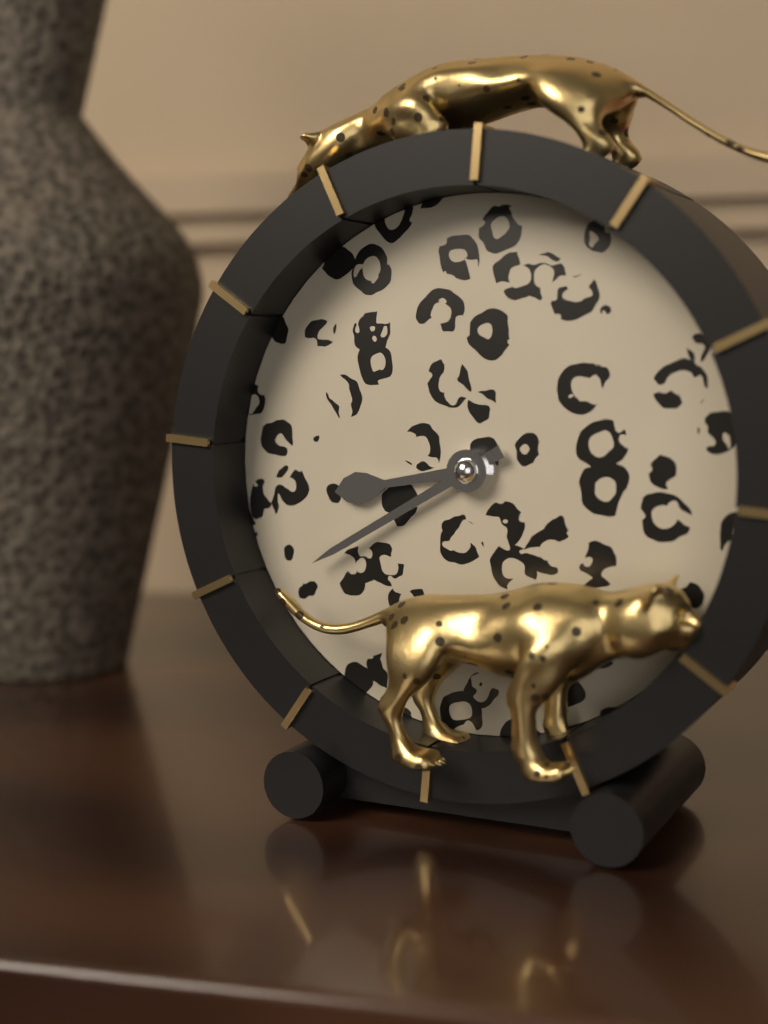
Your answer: **8:40**
